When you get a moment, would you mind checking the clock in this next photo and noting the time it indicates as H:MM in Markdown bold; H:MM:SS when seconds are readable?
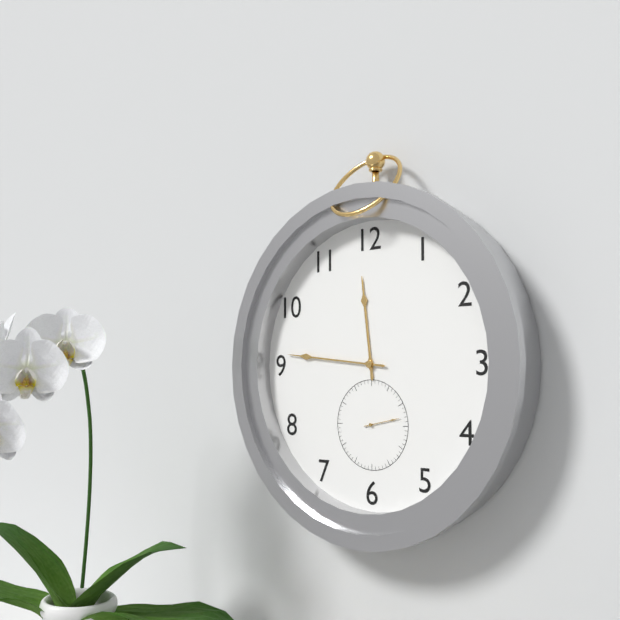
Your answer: **11:46**
